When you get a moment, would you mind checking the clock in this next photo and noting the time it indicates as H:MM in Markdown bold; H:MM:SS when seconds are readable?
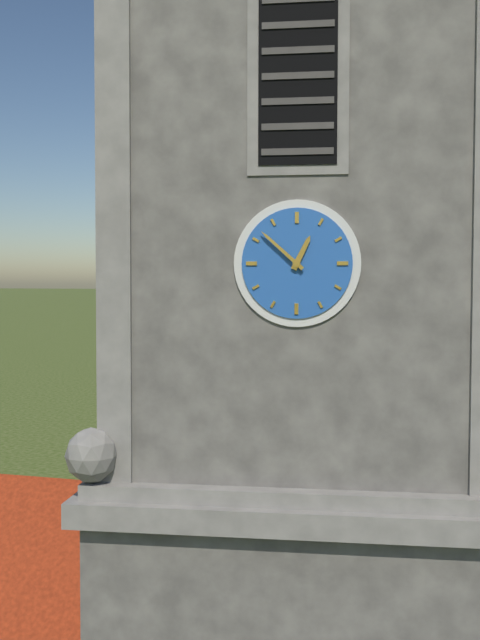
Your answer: **12:52**
